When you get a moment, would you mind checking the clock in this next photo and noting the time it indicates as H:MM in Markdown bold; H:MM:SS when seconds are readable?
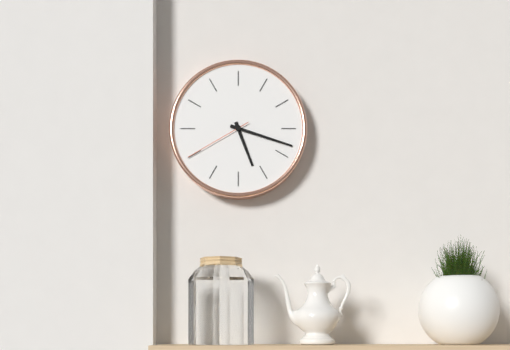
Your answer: **5:18:40**
